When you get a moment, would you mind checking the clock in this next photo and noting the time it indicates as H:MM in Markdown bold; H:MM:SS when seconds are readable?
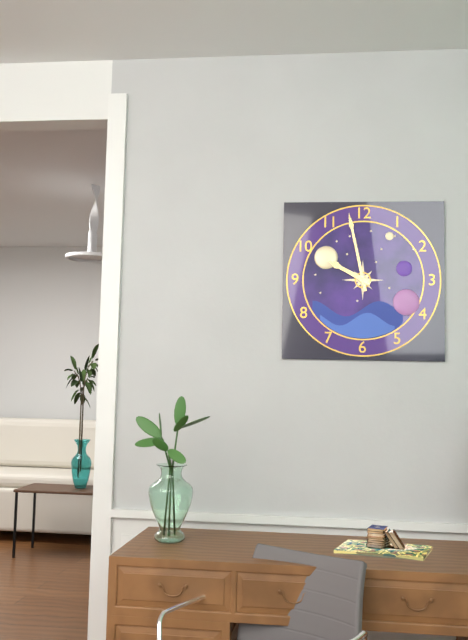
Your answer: **9:58**
